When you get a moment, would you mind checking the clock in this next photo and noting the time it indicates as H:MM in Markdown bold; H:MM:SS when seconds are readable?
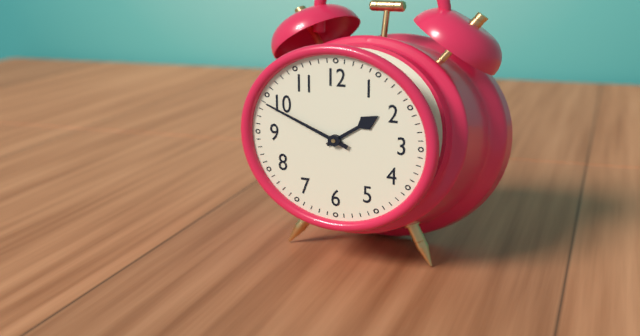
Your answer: **1:49**
